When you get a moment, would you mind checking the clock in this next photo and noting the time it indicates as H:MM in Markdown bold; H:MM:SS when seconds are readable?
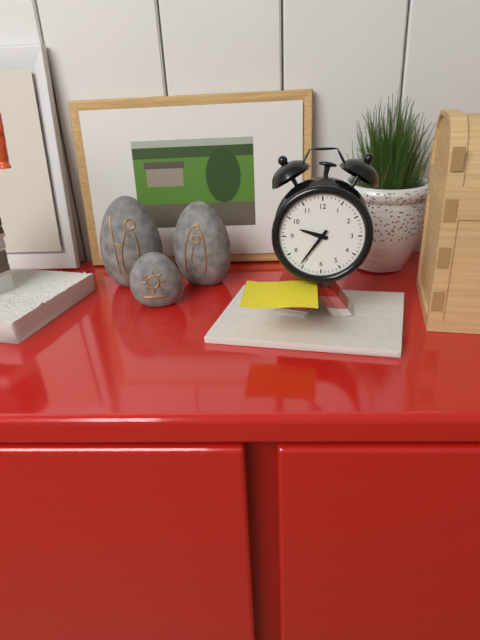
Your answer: **9:36**
